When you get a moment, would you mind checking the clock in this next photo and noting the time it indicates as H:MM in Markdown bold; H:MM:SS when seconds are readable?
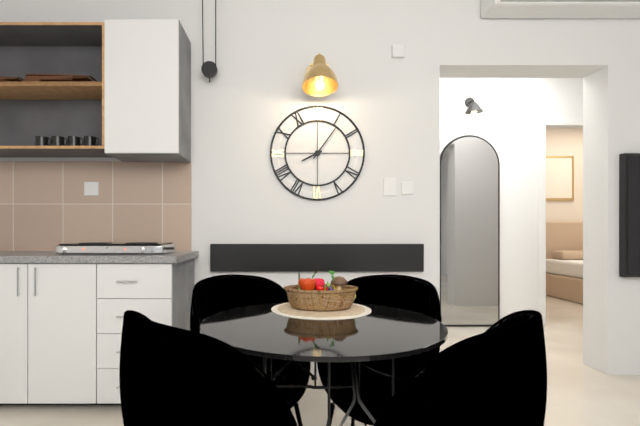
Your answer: **8:06**
